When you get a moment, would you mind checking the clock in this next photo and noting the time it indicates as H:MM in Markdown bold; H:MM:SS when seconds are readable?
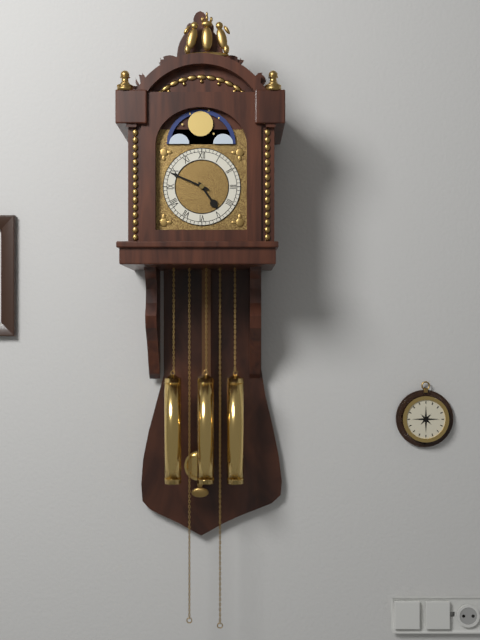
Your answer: **4:49**
